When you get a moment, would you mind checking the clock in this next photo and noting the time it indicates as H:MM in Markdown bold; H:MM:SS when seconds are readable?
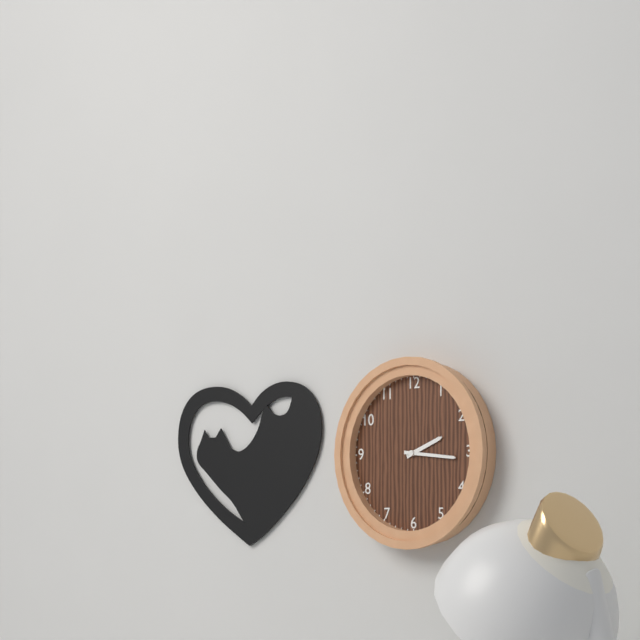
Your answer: **2:16**
